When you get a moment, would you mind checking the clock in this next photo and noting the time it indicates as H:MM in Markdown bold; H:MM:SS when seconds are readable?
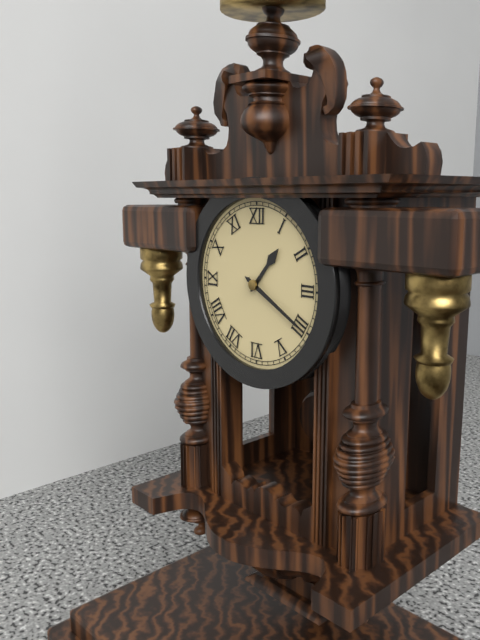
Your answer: **1:20**
